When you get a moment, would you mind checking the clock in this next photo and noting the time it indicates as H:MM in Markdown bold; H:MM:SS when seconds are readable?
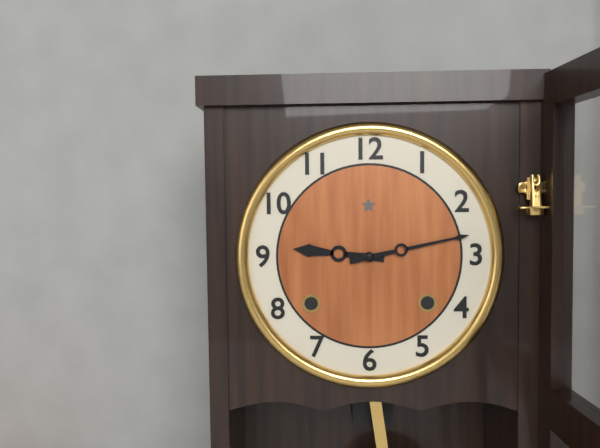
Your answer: **9:13**
